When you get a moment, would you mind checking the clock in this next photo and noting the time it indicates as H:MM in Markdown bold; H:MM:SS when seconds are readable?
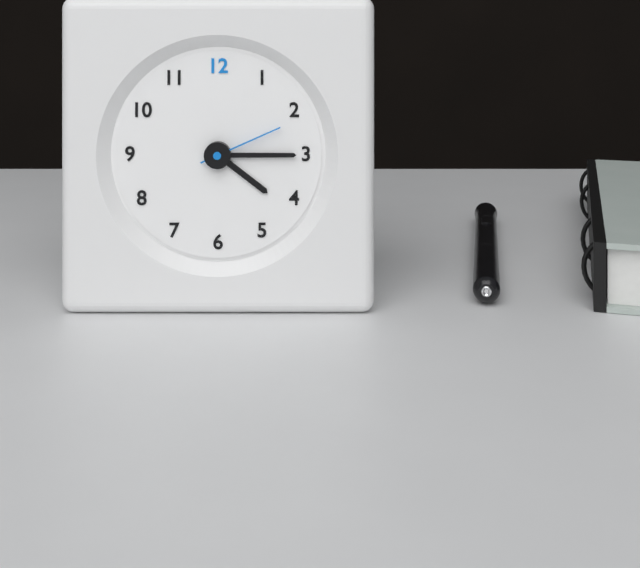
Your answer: **4:15:11**
